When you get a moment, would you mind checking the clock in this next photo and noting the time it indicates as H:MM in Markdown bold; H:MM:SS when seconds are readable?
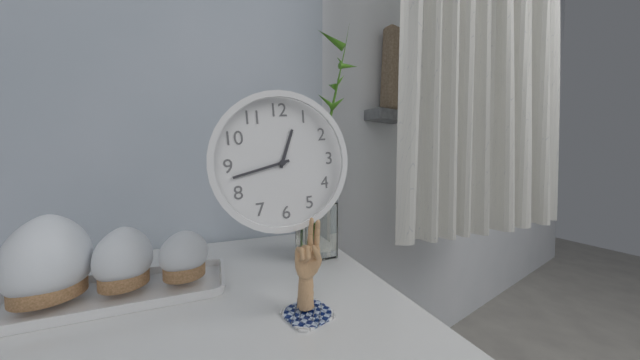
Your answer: **12:43**
